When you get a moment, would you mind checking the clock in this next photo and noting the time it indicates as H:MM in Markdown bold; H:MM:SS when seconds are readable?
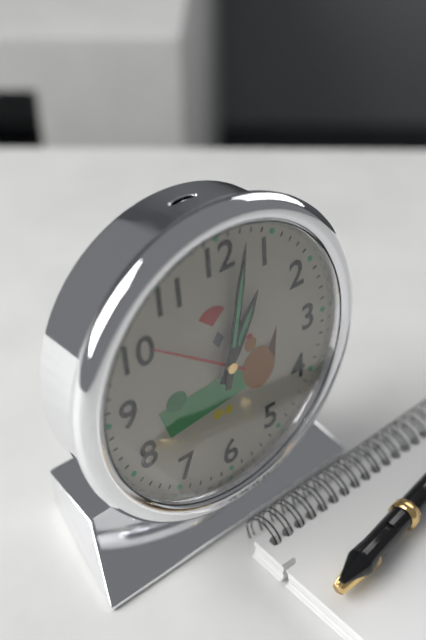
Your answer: **1:02**
